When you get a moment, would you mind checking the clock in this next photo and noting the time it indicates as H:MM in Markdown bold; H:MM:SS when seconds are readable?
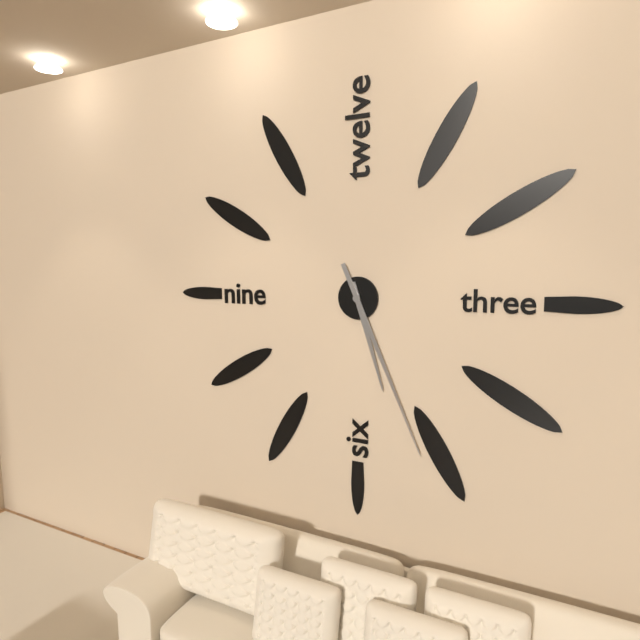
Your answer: **5:26**
